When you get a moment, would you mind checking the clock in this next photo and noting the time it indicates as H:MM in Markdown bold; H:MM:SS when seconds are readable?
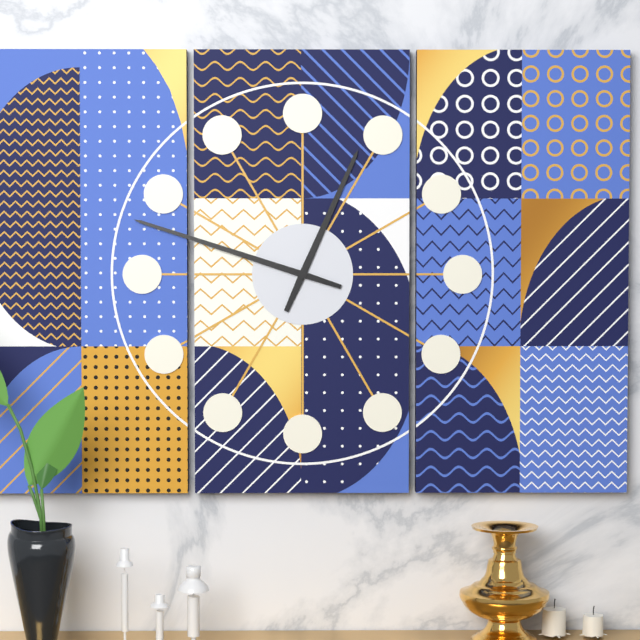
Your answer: **12:48**
